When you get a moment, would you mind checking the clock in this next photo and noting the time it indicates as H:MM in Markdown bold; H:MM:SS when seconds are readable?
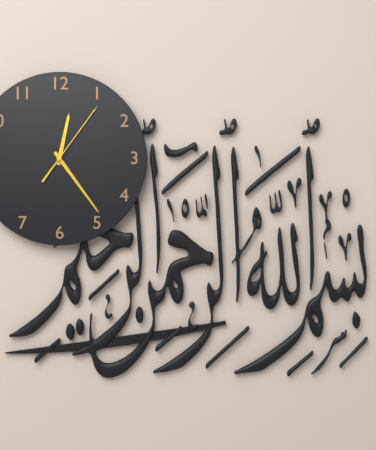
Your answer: **12:24:06**
